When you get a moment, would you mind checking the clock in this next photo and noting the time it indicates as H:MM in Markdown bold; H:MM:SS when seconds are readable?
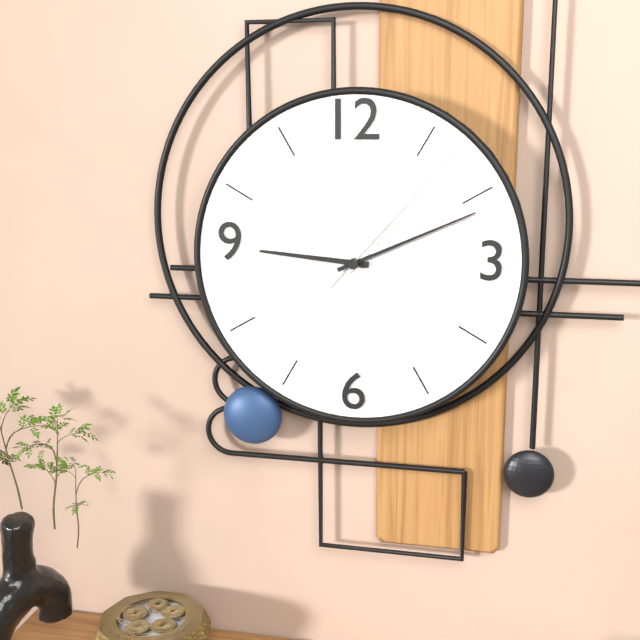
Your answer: **9:11:07**
